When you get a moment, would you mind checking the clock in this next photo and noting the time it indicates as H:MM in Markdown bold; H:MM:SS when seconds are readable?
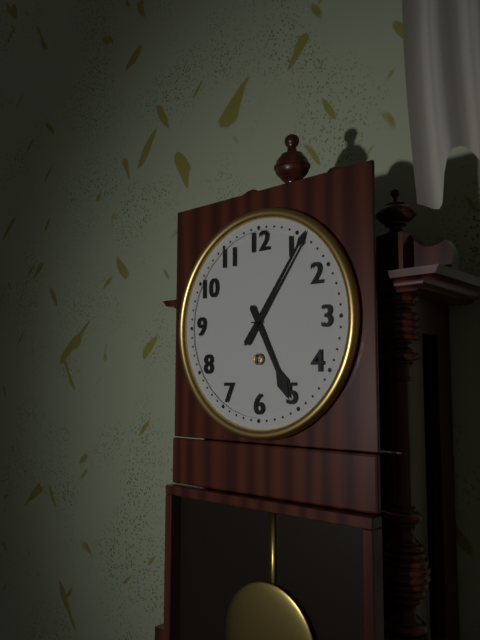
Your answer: **5:06**
